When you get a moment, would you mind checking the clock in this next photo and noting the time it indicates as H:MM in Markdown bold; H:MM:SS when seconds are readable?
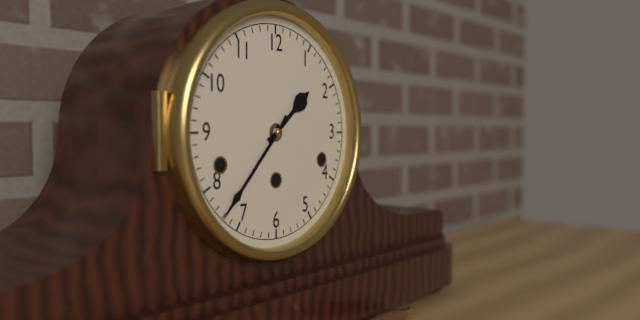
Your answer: **1:37**
